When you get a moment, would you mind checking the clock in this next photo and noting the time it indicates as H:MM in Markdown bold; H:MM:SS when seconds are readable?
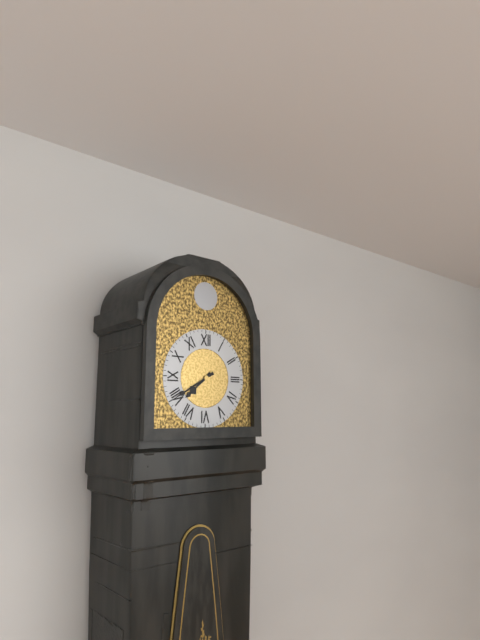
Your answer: **7:40**
